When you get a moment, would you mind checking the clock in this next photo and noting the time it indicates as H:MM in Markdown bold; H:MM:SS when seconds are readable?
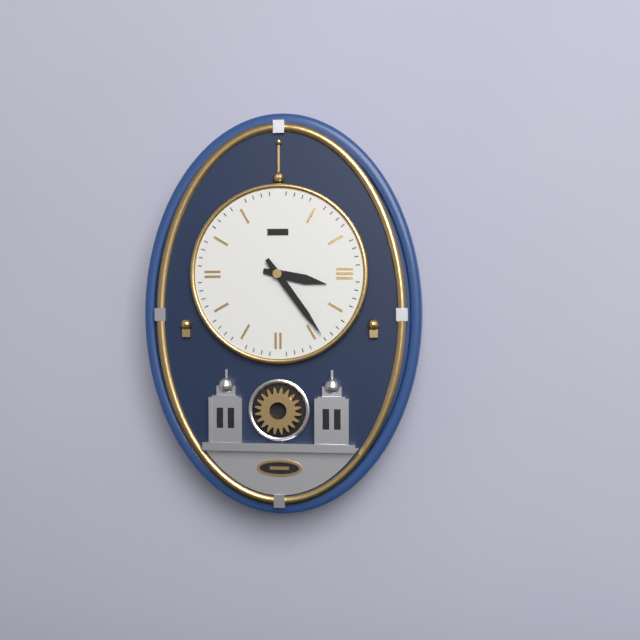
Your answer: **3:24**
